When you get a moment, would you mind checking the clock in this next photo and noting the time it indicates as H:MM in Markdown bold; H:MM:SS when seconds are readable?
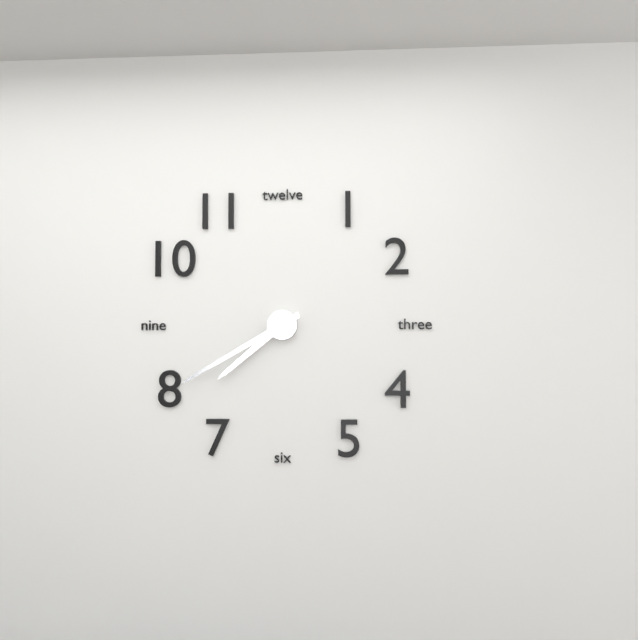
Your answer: **7:40**
